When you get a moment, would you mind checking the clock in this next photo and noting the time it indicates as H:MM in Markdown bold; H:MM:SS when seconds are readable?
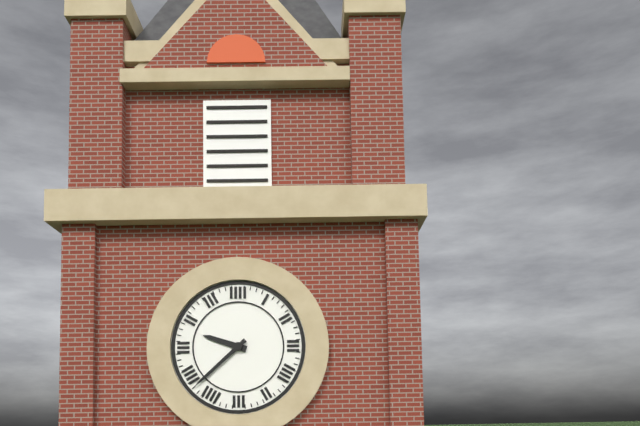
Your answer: **9:38**
